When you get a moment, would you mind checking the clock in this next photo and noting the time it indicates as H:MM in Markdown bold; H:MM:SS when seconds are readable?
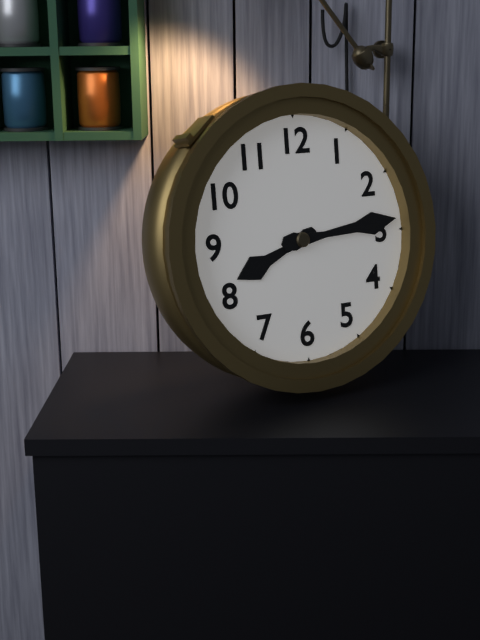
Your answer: **8:14**
